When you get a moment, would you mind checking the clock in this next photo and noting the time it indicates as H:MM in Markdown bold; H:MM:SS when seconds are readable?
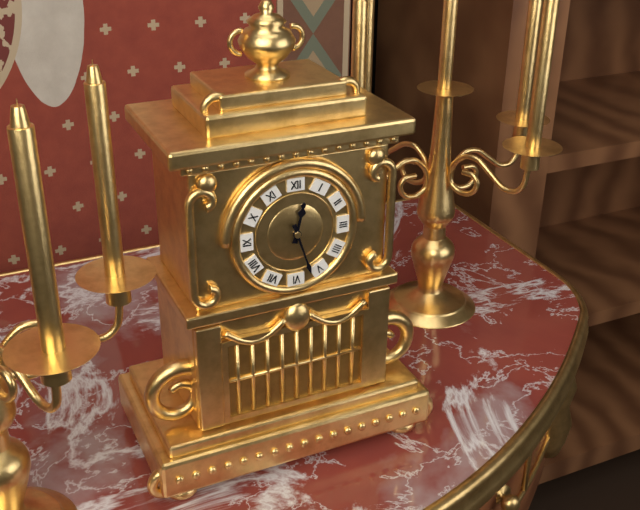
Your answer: **12:27**
